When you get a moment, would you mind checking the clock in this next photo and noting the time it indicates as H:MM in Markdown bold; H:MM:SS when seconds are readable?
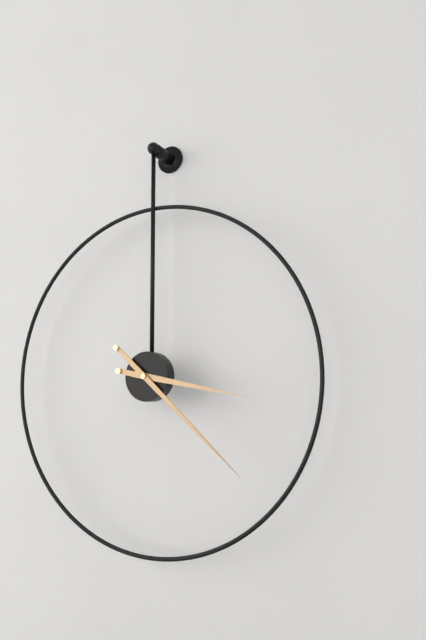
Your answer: **3:22**
